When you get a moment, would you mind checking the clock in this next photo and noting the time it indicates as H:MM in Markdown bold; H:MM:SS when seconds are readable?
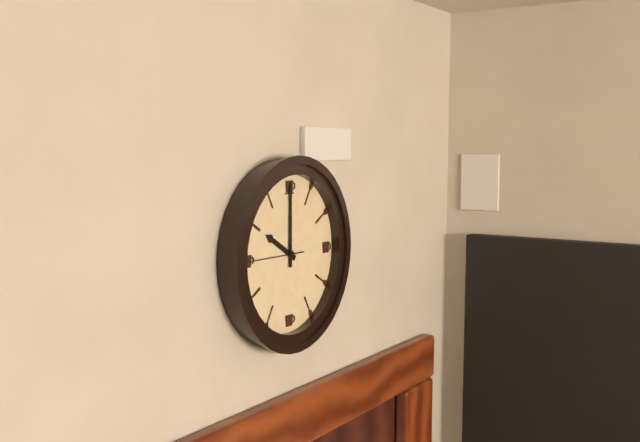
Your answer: **10:00:45**
